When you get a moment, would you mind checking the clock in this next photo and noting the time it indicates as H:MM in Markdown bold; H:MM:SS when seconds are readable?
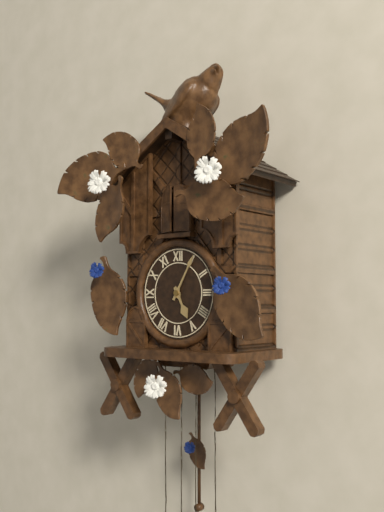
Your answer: **5:05**
